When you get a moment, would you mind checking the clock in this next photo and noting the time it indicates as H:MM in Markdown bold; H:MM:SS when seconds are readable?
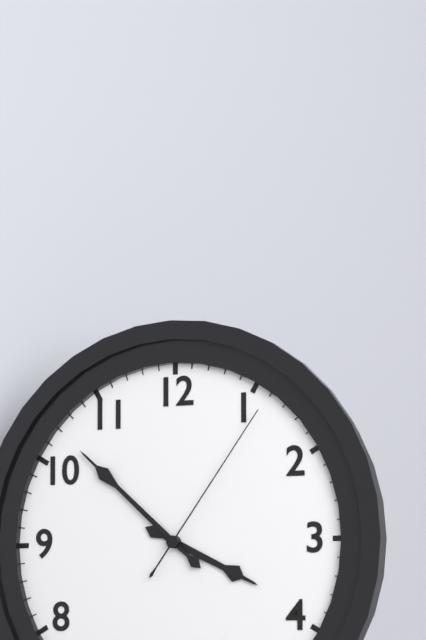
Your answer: **3:52:06**
